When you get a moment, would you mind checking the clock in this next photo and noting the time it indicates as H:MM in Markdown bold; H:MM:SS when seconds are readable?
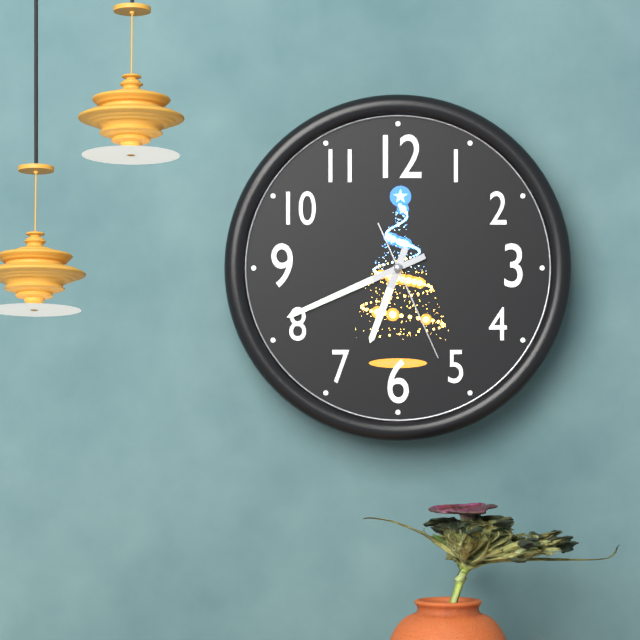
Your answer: **6:41:26**
